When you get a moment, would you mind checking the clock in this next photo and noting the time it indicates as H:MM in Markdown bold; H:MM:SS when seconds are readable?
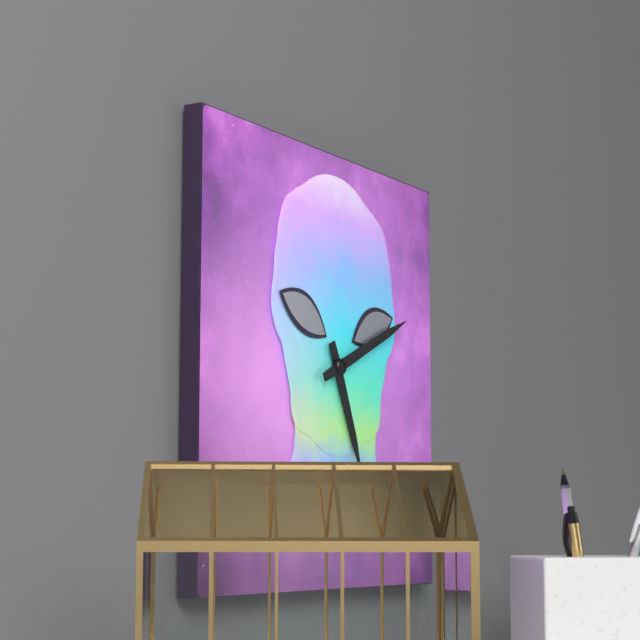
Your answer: **5:11**
